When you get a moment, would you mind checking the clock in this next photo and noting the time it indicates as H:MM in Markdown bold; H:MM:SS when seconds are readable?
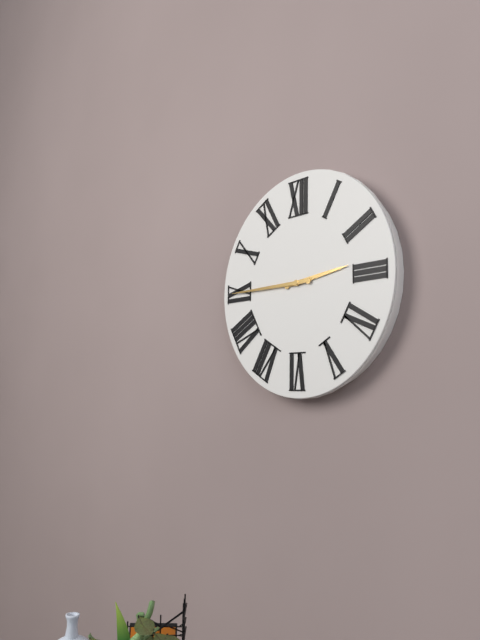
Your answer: **2:45**
